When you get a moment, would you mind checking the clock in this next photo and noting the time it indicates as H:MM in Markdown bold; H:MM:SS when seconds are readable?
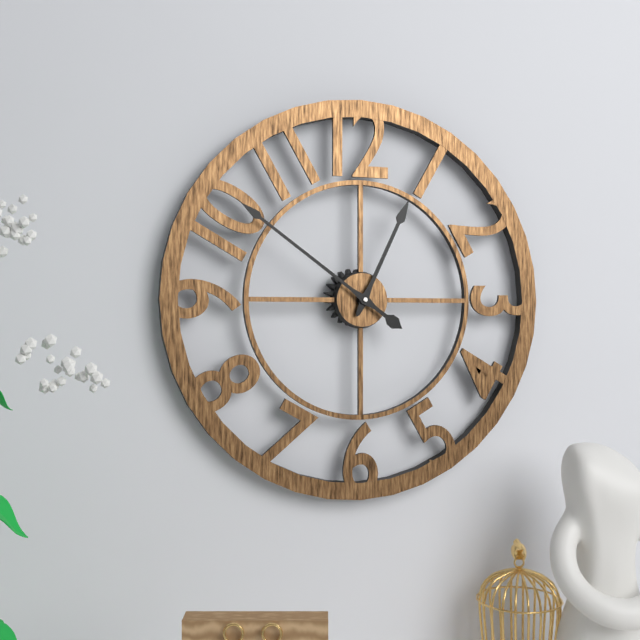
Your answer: **12:51**
